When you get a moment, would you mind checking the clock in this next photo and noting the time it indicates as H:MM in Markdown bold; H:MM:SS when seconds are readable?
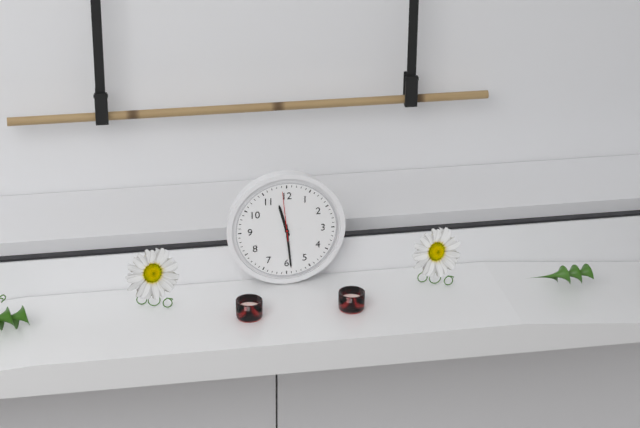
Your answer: **11:29**
